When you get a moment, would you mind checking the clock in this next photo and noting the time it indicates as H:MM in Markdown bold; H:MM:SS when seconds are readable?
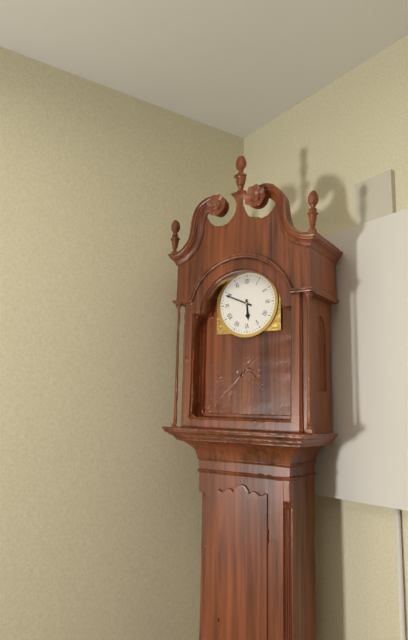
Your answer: **5:49**
